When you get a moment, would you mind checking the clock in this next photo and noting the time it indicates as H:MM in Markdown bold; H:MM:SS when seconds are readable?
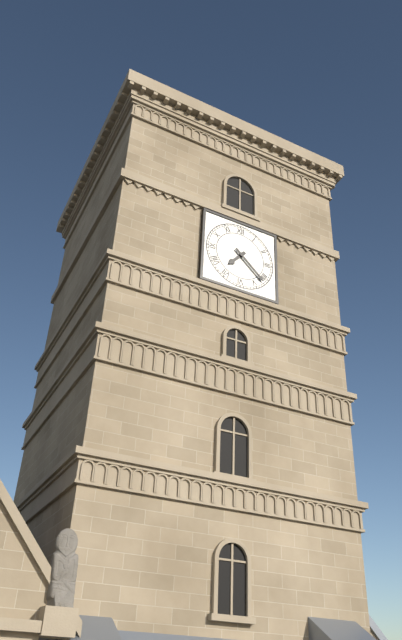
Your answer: **7:22**
